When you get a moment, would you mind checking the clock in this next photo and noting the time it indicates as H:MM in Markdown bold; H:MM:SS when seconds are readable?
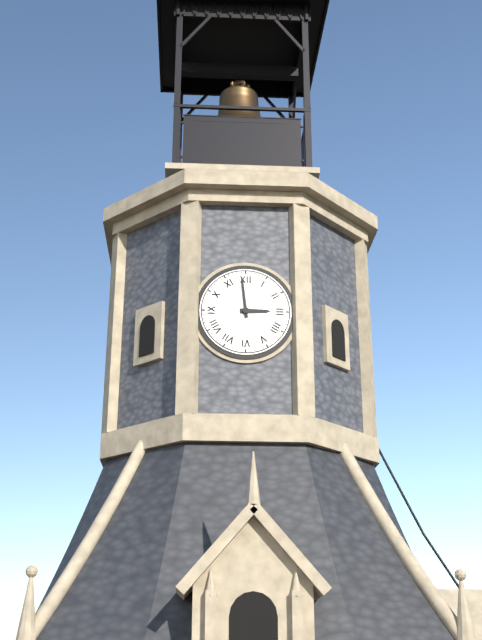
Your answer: **2:59**
